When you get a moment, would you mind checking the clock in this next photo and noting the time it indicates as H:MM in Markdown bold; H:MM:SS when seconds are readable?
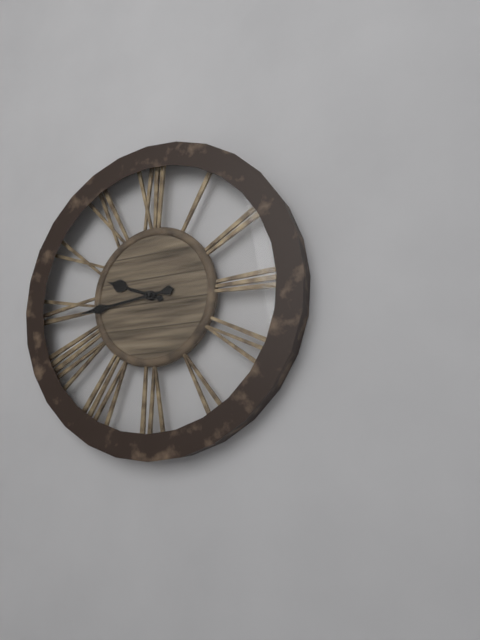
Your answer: **9:44**
